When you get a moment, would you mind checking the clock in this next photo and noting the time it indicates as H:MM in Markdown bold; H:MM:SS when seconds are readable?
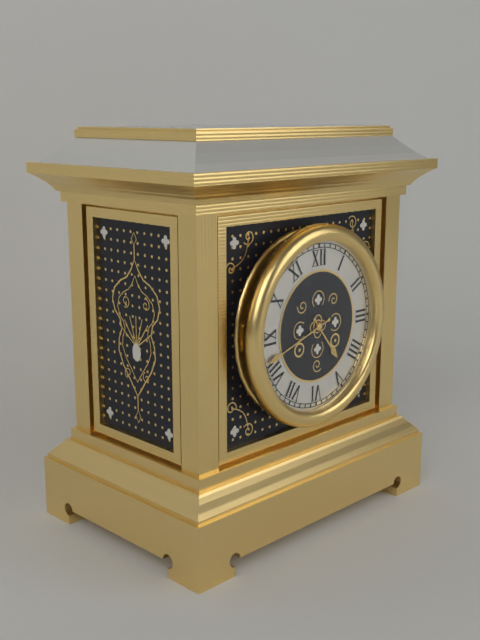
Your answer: **4:42**
